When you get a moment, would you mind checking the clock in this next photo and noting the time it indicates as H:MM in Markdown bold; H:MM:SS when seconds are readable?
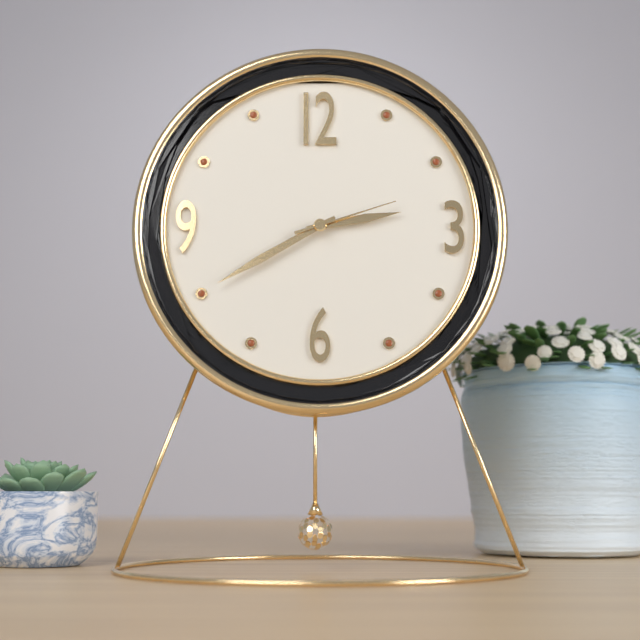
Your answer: **2:40:12**
